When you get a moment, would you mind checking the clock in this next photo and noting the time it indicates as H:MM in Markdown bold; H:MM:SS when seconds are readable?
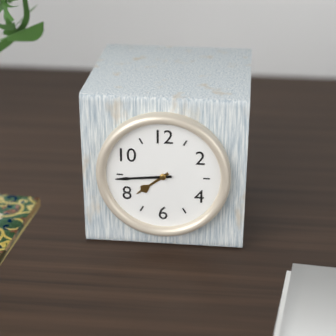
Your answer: **7:44**
